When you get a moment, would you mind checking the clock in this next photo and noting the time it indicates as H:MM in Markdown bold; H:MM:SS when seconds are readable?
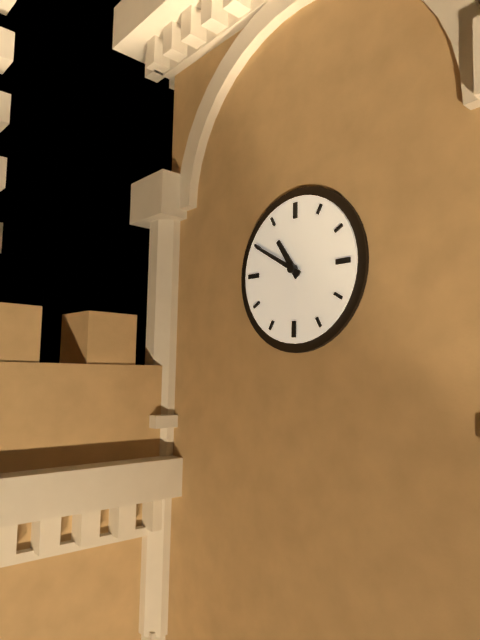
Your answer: **10:50**
